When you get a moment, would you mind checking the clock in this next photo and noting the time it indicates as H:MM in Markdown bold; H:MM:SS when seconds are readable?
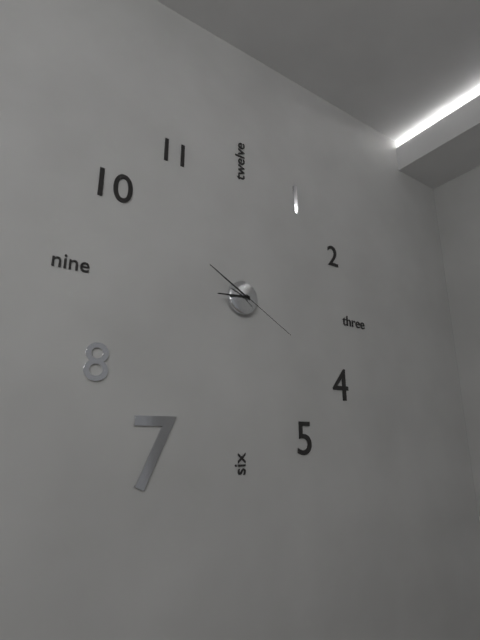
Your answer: **8:50:20**
